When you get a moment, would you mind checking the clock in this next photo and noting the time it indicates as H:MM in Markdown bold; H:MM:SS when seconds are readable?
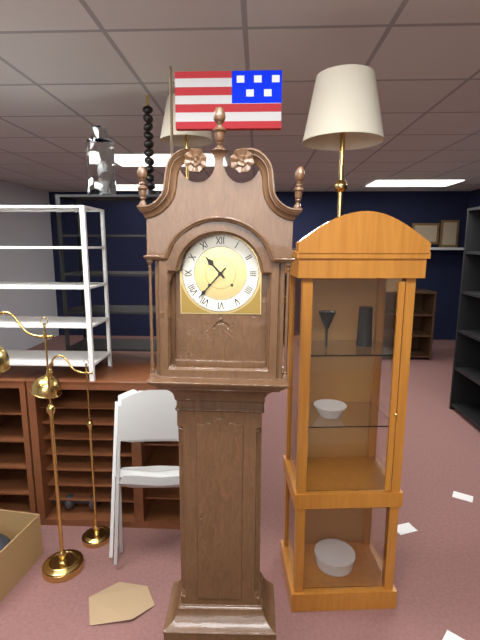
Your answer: **10:37**
